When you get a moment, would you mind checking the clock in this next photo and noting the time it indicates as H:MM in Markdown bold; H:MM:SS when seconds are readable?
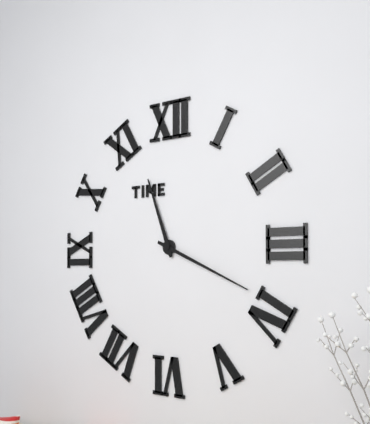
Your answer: **11:19**
